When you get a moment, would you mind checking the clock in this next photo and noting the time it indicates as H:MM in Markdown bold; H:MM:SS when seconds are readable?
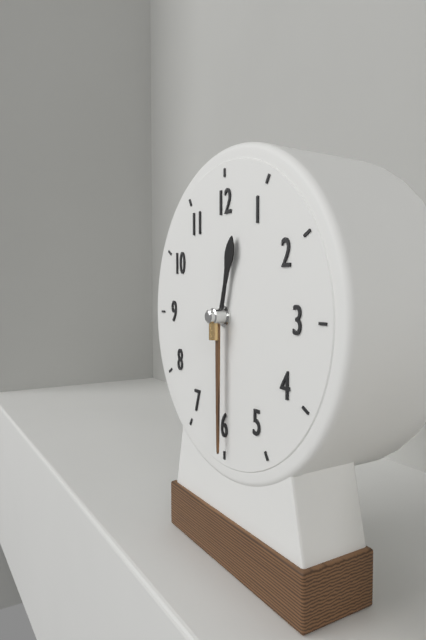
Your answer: **12:30**
